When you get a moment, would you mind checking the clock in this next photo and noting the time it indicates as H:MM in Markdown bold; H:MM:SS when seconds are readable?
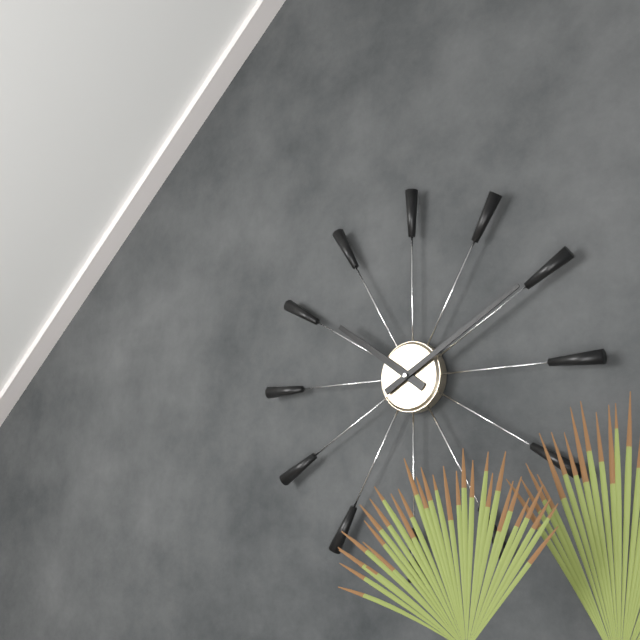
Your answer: **10:10**
